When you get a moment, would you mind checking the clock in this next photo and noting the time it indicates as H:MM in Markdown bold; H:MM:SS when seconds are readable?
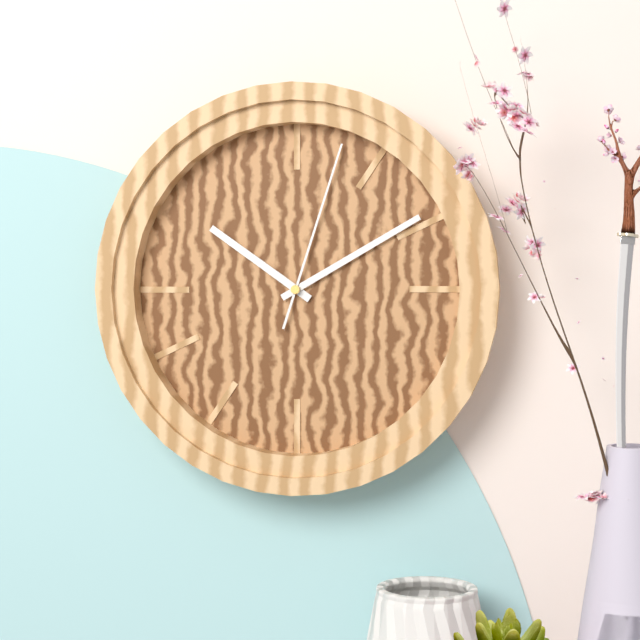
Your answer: **10:10:03**
